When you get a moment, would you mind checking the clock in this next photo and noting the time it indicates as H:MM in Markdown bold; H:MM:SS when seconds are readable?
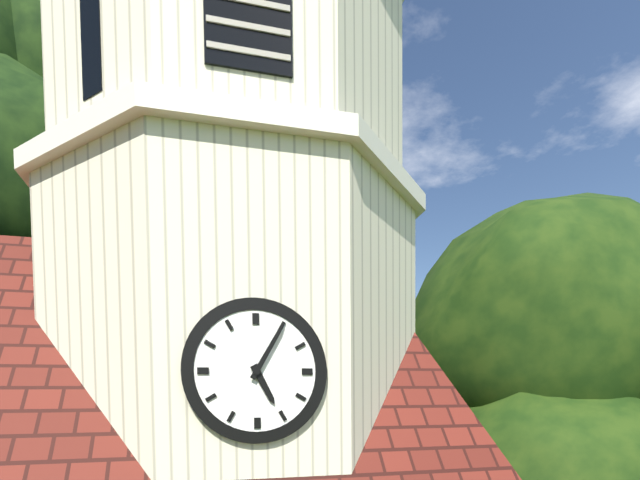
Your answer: **5:05**
